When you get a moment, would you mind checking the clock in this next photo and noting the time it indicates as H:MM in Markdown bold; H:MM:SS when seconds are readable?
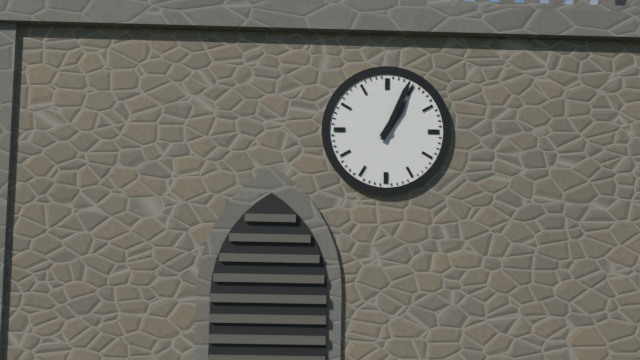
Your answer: **1:04**
